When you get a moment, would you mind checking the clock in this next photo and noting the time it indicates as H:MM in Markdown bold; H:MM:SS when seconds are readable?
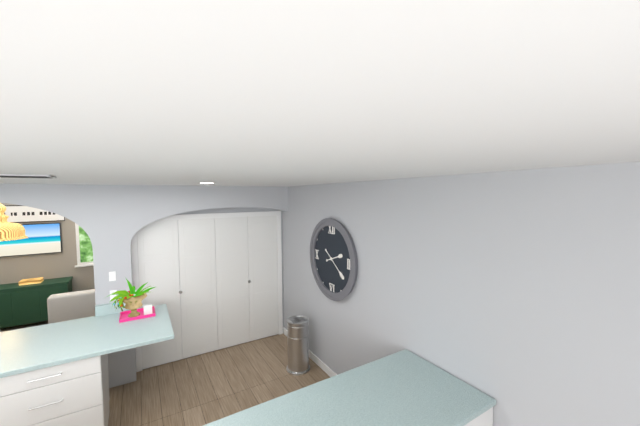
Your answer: **2:21**
